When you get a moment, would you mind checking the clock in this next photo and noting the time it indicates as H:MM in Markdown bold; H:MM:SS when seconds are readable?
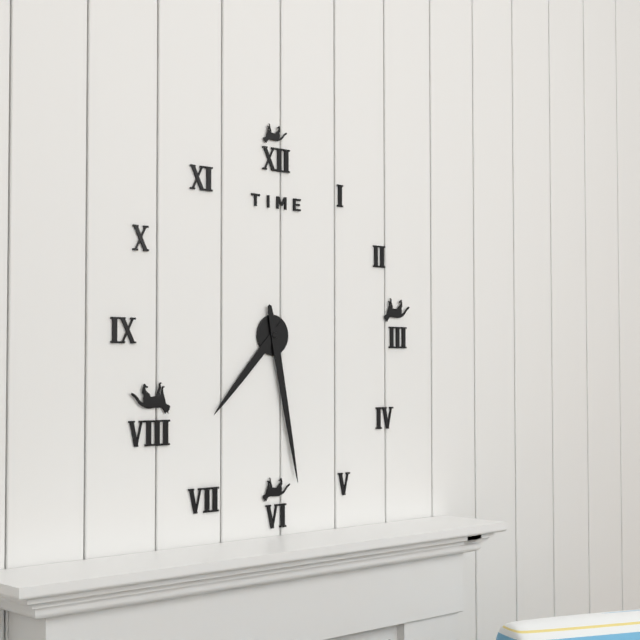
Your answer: **7:28**
